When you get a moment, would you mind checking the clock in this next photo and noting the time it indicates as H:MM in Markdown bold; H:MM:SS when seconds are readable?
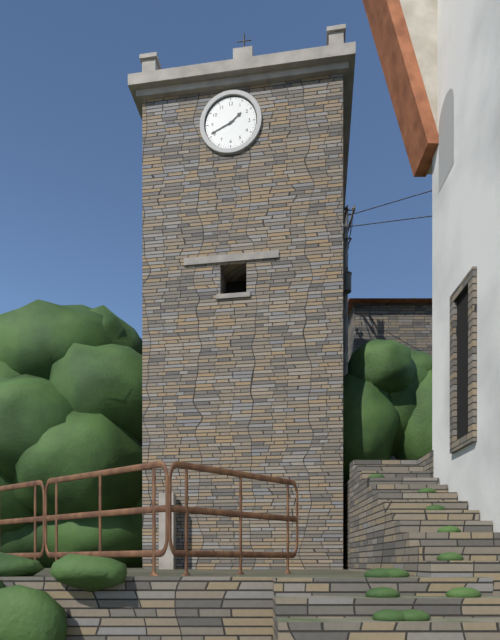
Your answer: **1:41**
